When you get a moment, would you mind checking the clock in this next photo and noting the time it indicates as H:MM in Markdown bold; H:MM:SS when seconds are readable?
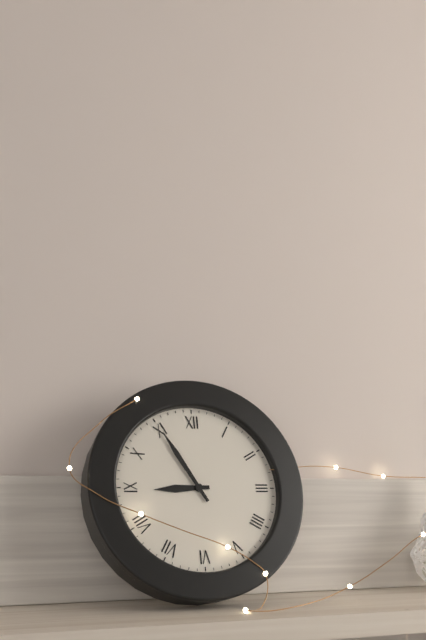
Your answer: **8:55**
